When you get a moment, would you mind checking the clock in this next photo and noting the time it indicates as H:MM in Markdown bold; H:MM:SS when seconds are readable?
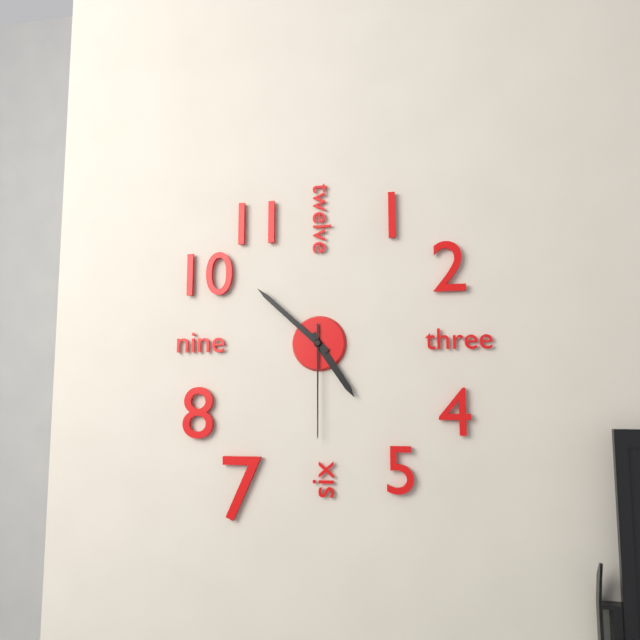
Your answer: **4:52:30**
